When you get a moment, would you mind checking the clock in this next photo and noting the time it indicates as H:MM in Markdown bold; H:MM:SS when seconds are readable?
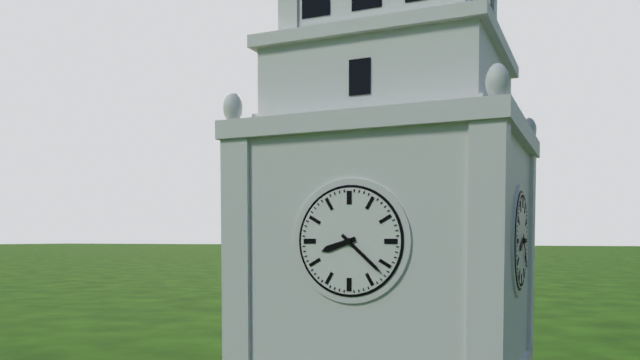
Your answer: **8:22**
